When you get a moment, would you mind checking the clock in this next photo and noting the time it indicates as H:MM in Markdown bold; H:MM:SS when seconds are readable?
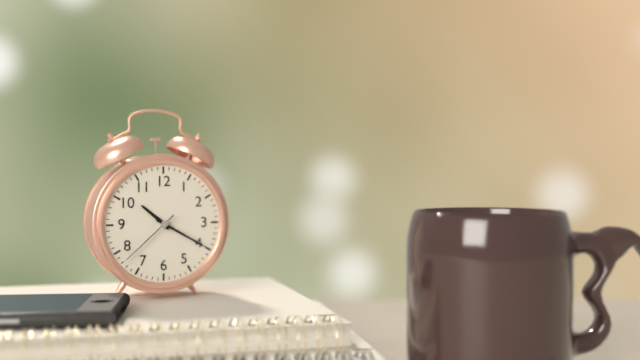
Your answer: **10:20:38**
